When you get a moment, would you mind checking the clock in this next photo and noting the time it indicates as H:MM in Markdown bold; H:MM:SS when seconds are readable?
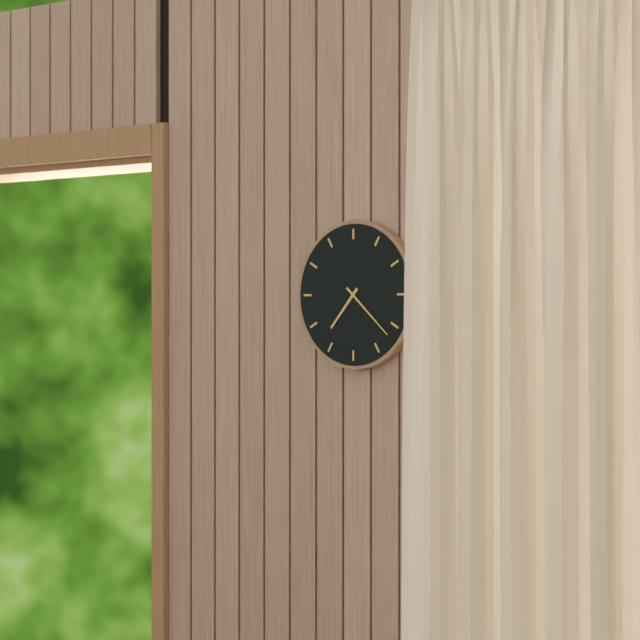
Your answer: **7:22**
